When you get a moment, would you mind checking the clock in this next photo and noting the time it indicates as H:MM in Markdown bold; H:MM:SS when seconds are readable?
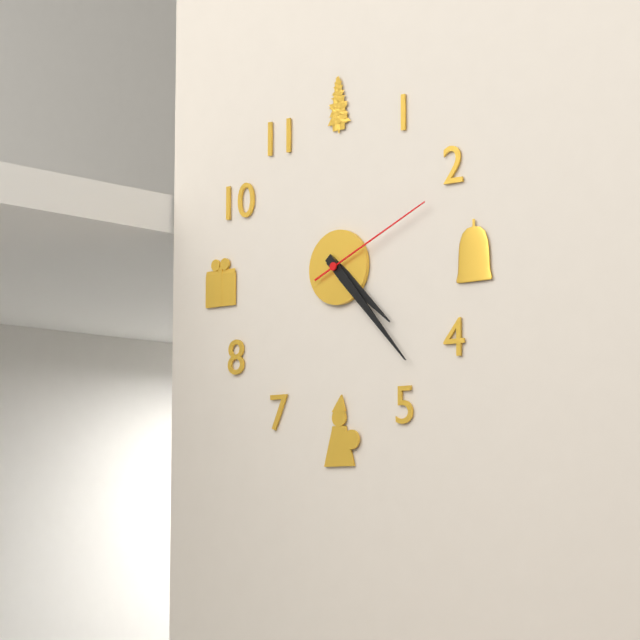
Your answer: **4:23:11**
